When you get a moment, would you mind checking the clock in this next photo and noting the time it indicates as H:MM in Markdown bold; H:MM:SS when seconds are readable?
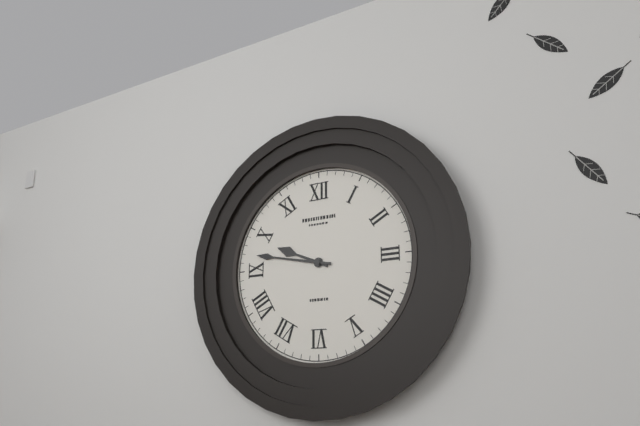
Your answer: **9:47**
